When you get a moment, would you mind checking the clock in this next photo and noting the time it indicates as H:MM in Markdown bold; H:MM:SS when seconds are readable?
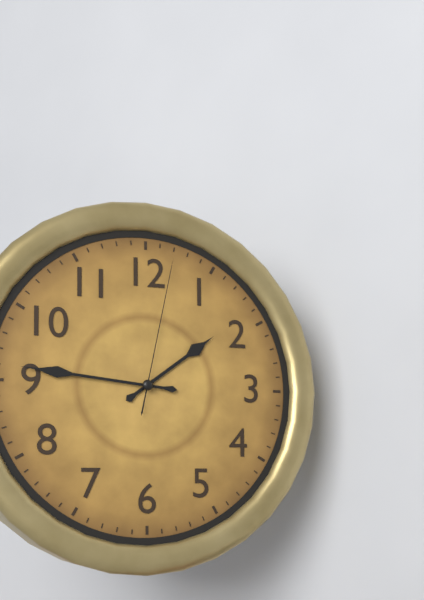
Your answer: **1:46:02**
